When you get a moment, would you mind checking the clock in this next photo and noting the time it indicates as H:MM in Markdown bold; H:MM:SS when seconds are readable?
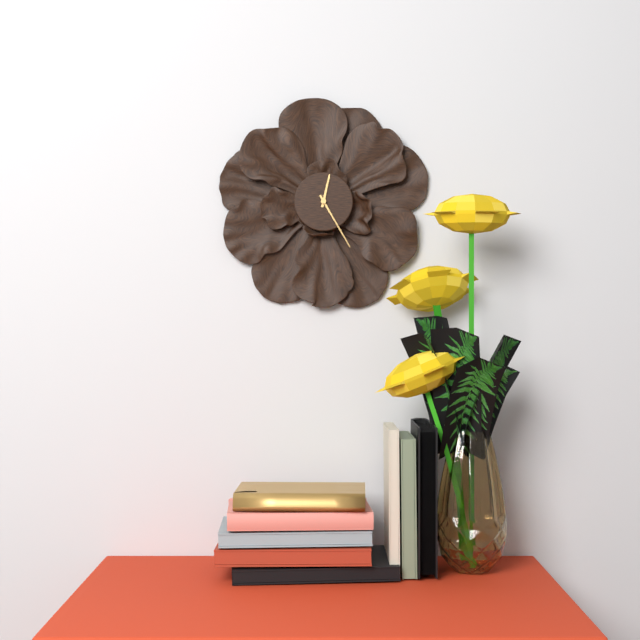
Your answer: **12:25**
